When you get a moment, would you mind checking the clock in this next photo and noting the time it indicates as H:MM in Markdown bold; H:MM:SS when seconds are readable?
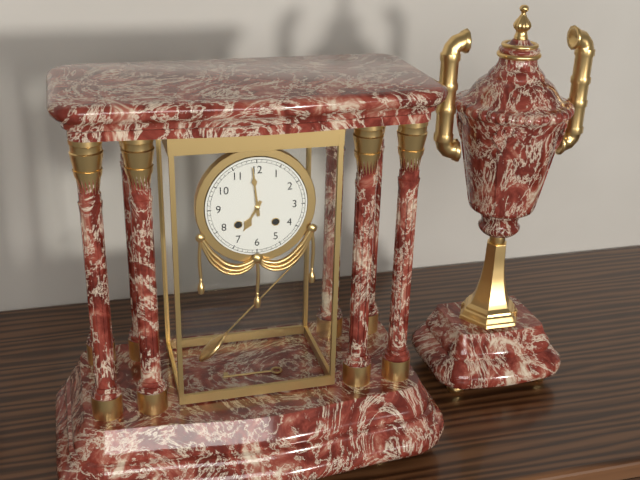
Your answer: **6:59**
